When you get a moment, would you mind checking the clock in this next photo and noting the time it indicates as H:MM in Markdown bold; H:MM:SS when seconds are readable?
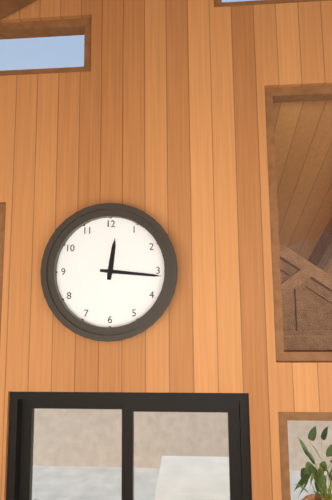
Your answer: **12:16**
